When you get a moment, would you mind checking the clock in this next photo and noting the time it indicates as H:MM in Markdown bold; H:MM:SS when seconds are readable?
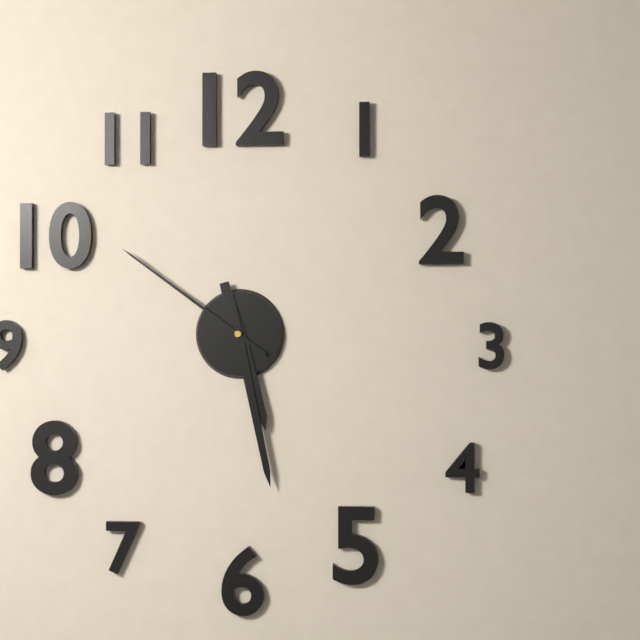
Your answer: **5:28:51**
